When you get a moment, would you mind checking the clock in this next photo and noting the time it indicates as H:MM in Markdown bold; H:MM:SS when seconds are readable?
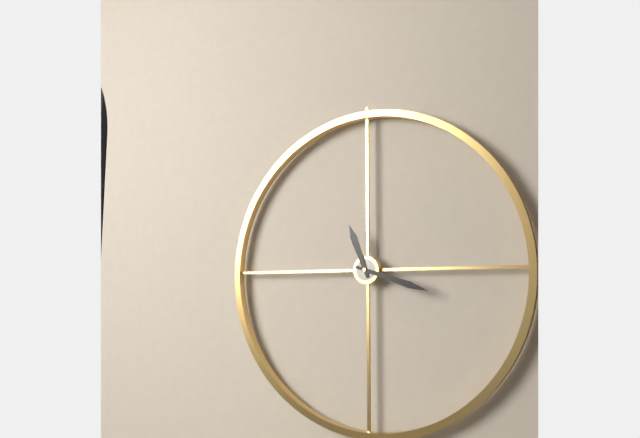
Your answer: **11:18**
